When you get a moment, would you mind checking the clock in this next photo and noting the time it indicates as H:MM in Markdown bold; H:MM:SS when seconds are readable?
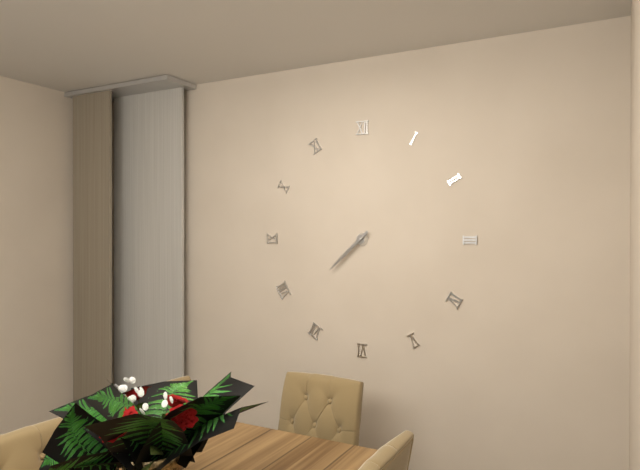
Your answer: **7:38**
